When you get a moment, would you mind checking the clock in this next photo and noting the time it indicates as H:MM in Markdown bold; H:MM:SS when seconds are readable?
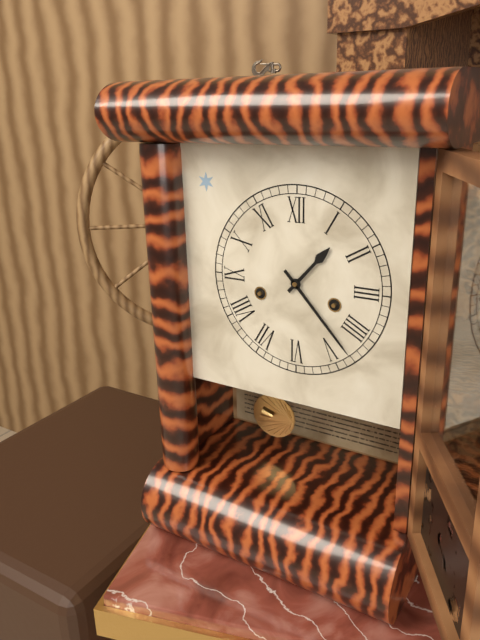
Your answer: **1:23**
